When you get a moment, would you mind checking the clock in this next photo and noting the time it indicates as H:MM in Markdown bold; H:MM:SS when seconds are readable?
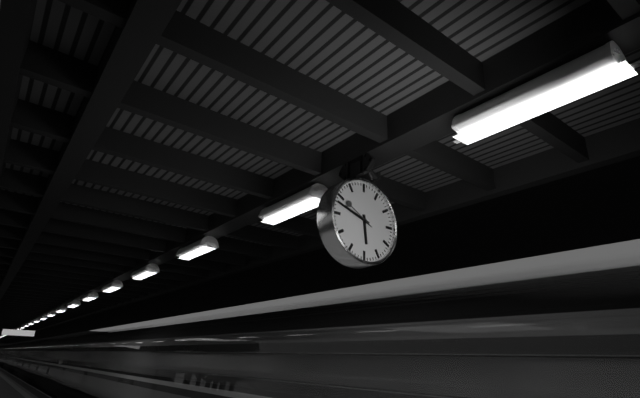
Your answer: **5:48**
